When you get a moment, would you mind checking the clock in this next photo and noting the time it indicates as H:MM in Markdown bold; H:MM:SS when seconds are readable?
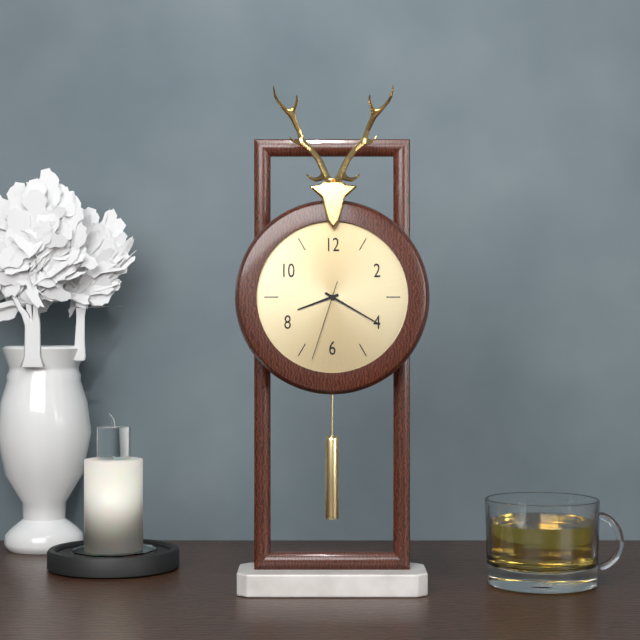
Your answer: **8:20:33**
